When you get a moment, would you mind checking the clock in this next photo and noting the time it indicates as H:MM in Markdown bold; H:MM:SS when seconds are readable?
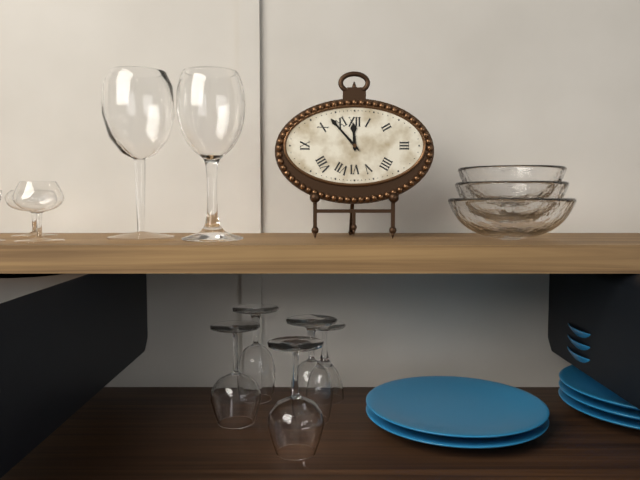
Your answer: **11:53**
